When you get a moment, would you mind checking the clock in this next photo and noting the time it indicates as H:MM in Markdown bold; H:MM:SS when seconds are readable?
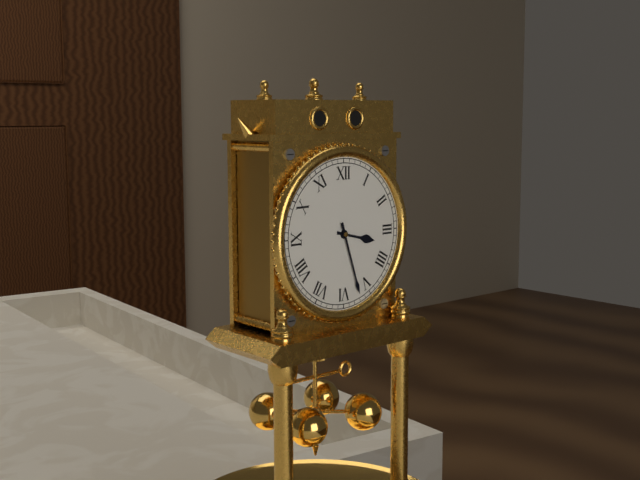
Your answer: **3:27**
